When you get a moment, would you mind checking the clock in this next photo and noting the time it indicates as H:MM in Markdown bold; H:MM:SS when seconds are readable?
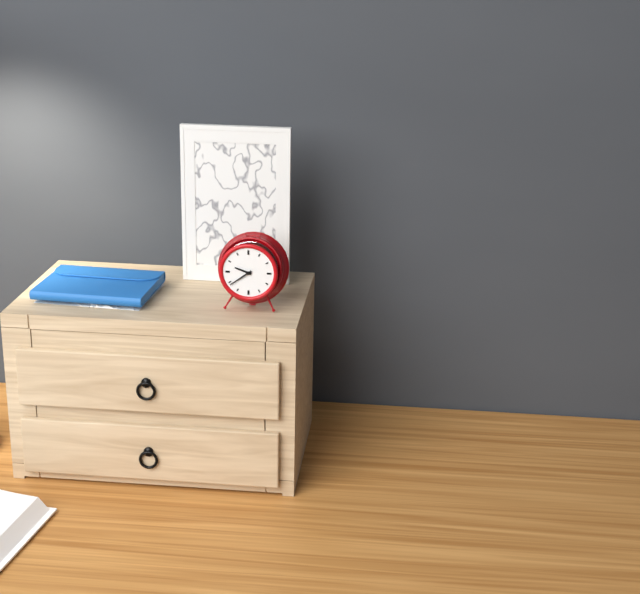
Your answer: **9:39**
